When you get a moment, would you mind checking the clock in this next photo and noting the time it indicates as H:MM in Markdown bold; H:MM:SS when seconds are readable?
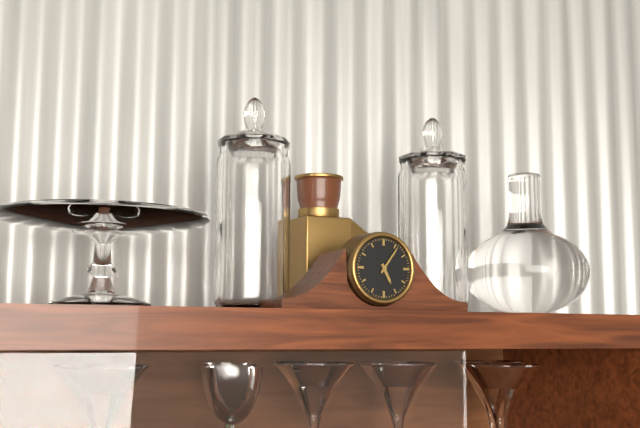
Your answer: **5:06**
